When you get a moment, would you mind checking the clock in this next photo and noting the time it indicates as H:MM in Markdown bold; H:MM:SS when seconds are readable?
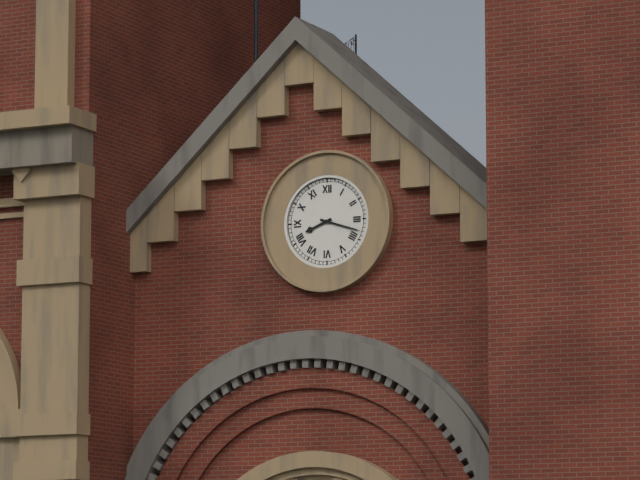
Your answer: **8:18**
